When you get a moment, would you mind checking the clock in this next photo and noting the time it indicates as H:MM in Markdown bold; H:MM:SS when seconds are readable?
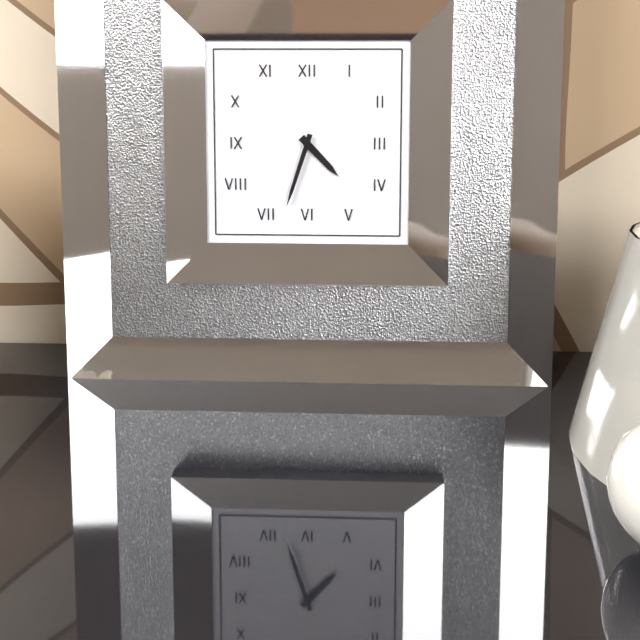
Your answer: **4:33**
